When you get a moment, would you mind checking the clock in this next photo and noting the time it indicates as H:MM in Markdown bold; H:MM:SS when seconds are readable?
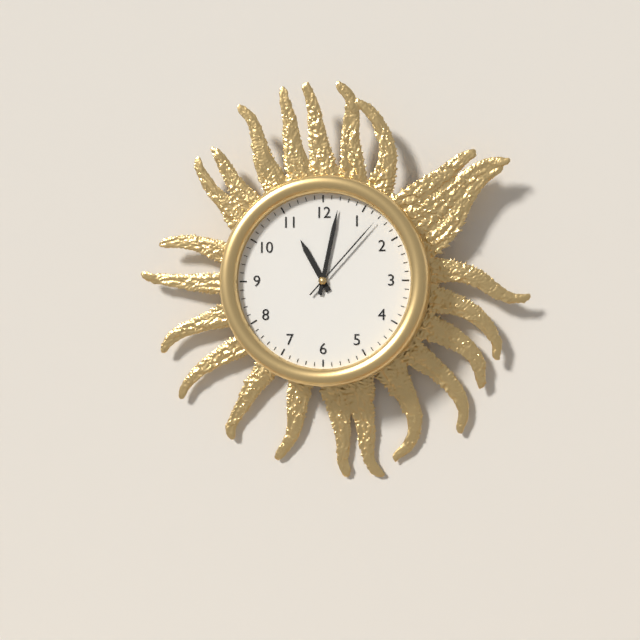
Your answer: **11:02:07**
